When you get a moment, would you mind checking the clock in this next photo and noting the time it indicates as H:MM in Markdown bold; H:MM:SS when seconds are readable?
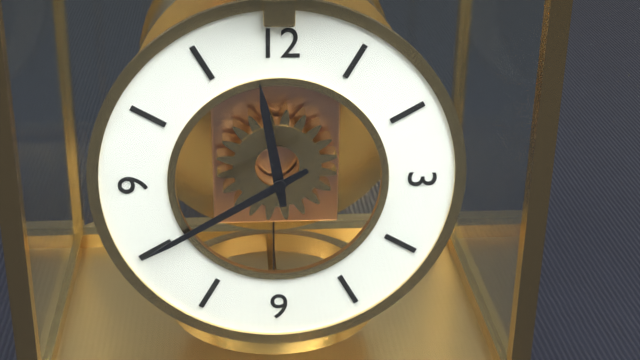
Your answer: **11:40**
